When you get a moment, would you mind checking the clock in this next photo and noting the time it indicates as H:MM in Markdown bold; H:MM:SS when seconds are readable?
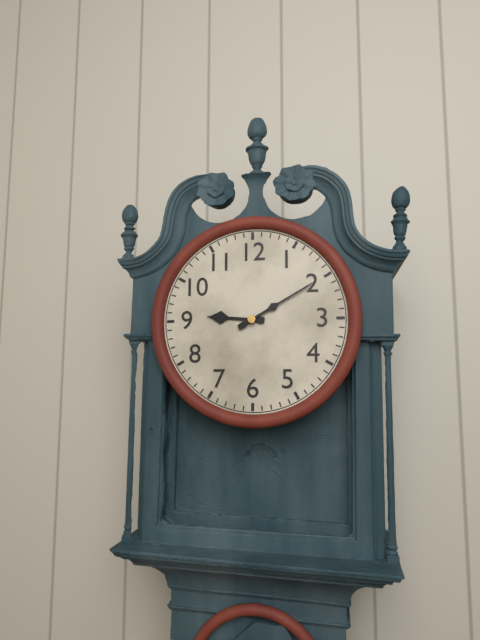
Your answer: **9:10**
